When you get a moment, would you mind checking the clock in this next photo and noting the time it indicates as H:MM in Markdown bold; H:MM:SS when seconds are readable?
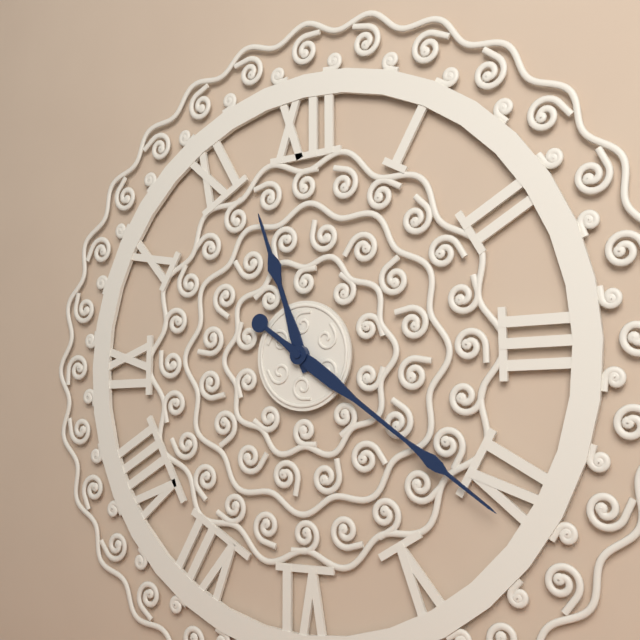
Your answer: **11:21**
